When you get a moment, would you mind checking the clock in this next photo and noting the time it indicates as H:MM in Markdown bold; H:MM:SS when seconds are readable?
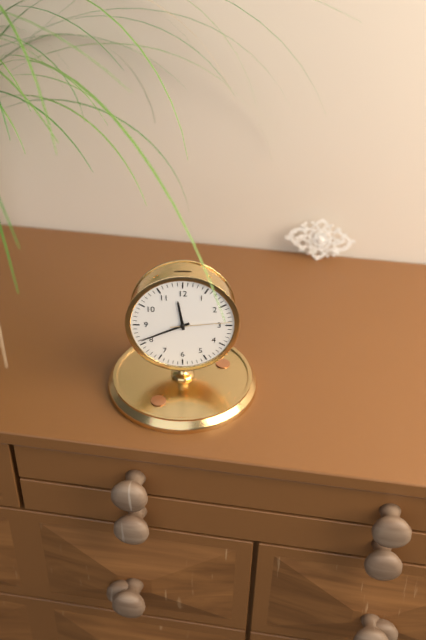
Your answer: **11:41:14**
